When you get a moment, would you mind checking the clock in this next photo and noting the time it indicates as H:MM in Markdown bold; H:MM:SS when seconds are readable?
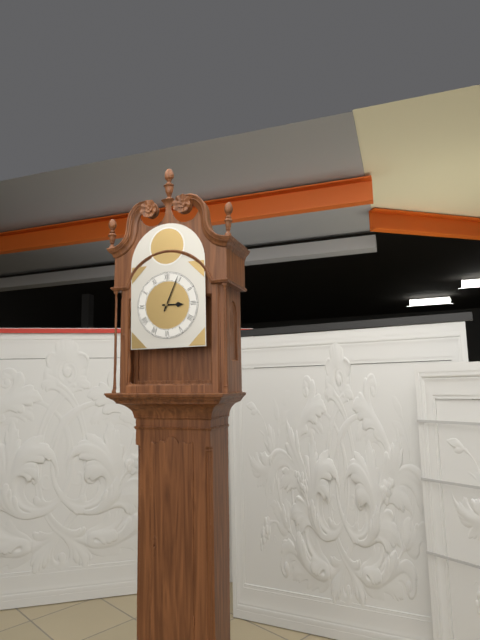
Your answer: **3:04**
